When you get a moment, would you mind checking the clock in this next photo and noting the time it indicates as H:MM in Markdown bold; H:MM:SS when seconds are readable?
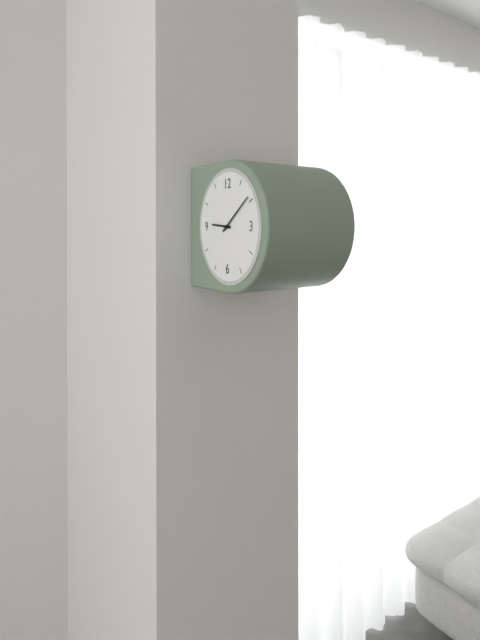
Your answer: **9:09**
